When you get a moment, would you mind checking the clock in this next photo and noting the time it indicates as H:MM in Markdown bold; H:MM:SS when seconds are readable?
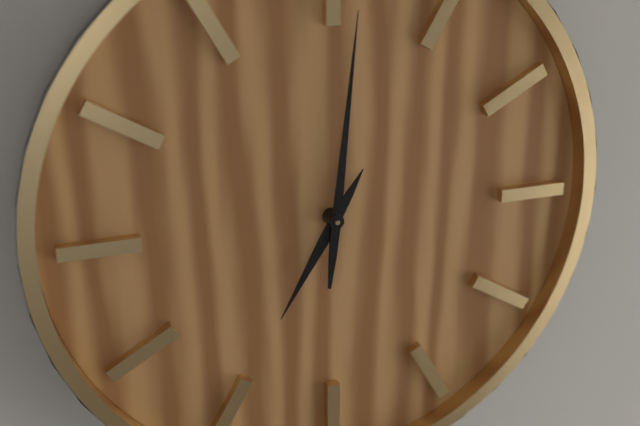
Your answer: **7:01**
